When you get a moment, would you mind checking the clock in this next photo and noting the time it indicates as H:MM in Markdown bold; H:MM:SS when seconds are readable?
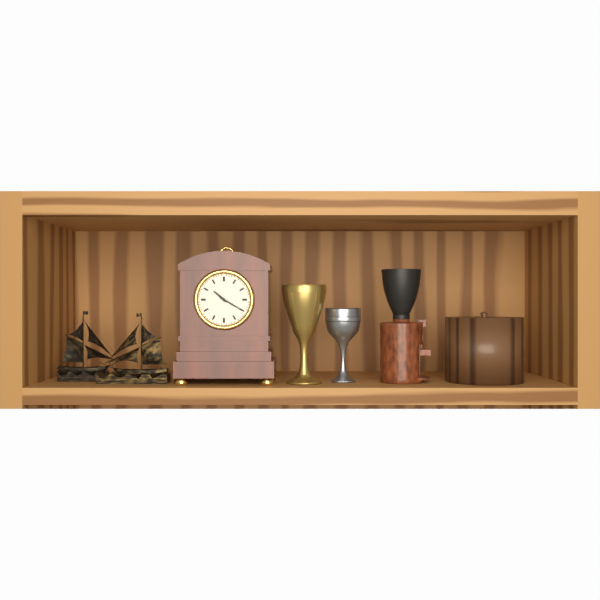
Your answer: **10:20**
